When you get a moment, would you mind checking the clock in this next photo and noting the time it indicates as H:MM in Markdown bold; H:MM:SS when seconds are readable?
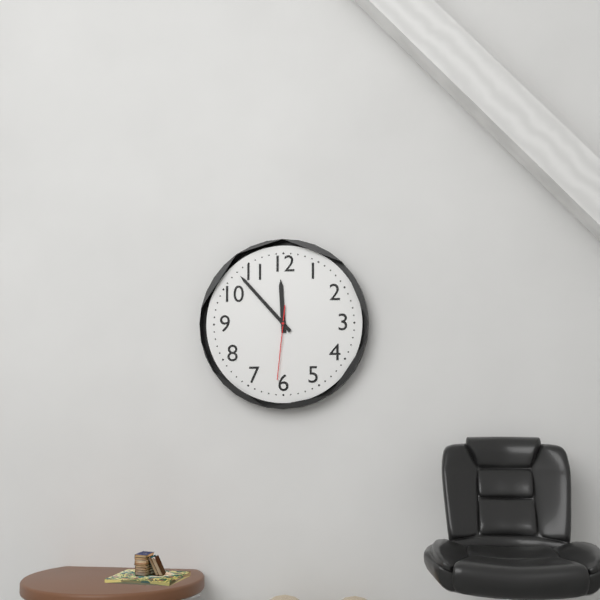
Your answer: **11:53:31**
